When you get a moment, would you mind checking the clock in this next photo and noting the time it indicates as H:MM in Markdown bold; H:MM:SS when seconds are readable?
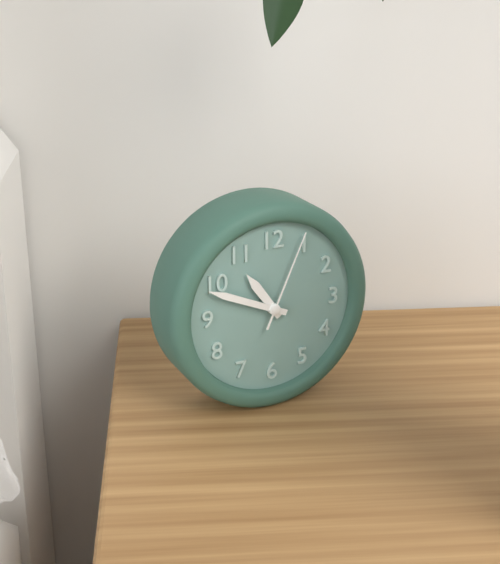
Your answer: **10:49:04**
